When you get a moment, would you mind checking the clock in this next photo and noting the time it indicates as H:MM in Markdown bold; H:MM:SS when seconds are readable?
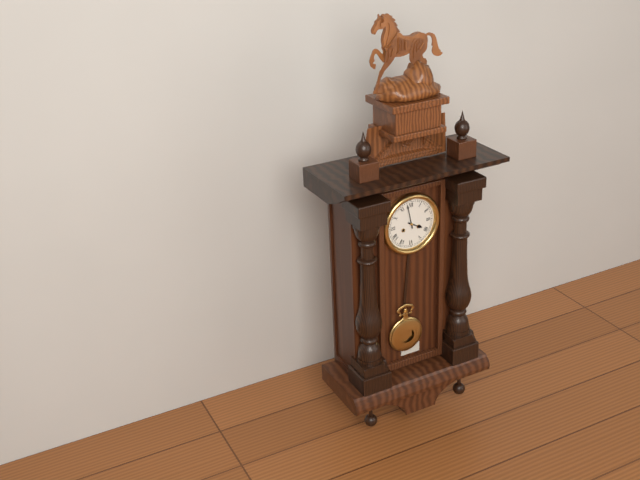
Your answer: **3:58**
